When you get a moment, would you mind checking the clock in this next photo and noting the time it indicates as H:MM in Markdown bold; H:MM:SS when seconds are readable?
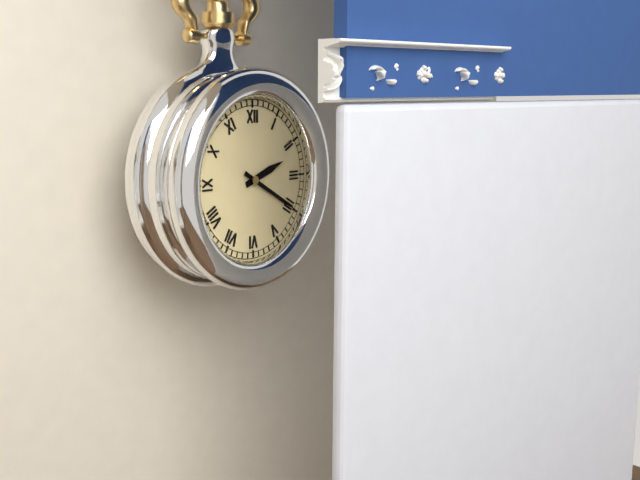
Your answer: **2:20**
